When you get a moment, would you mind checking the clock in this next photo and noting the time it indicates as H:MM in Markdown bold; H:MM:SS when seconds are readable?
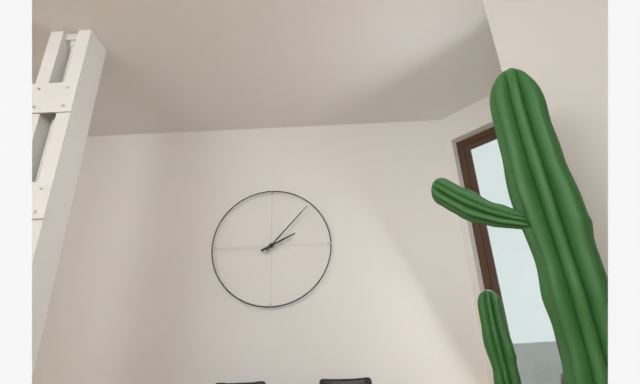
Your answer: **2:07**
